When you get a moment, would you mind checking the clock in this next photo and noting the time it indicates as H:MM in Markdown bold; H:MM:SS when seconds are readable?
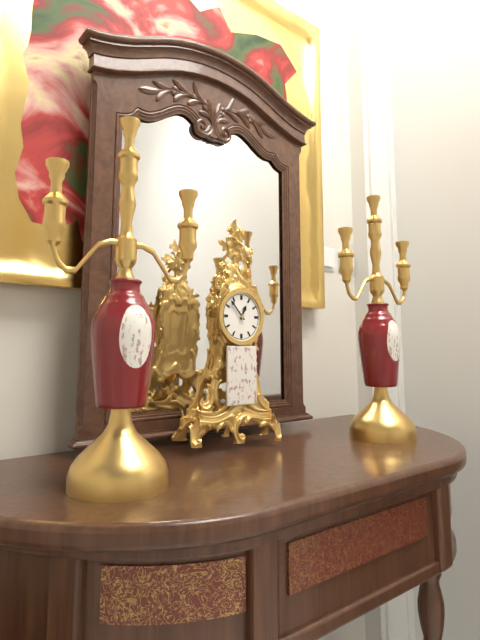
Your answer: **12:53**
